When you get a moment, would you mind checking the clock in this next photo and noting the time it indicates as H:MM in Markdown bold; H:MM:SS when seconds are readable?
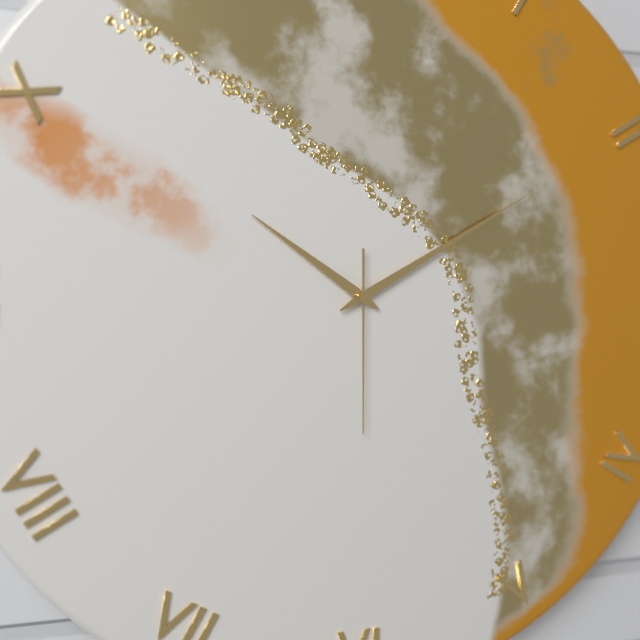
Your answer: **10:10:30**
